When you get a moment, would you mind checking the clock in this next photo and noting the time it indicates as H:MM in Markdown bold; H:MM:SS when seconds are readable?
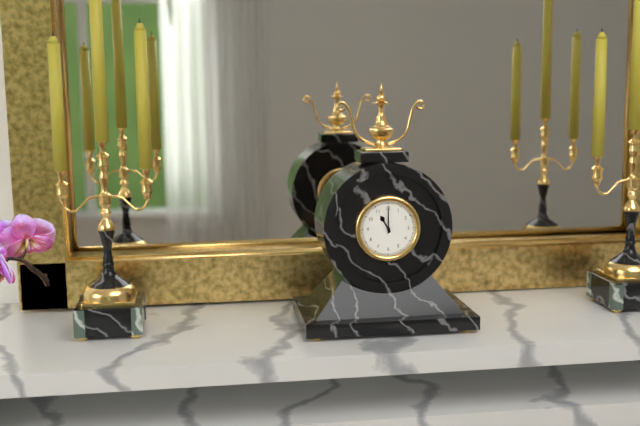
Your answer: **11:00**
